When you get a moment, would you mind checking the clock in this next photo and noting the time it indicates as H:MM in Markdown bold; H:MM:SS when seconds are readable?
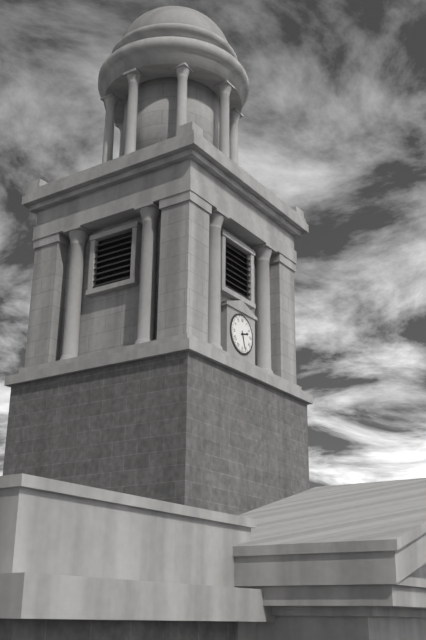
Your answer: **2:27**
